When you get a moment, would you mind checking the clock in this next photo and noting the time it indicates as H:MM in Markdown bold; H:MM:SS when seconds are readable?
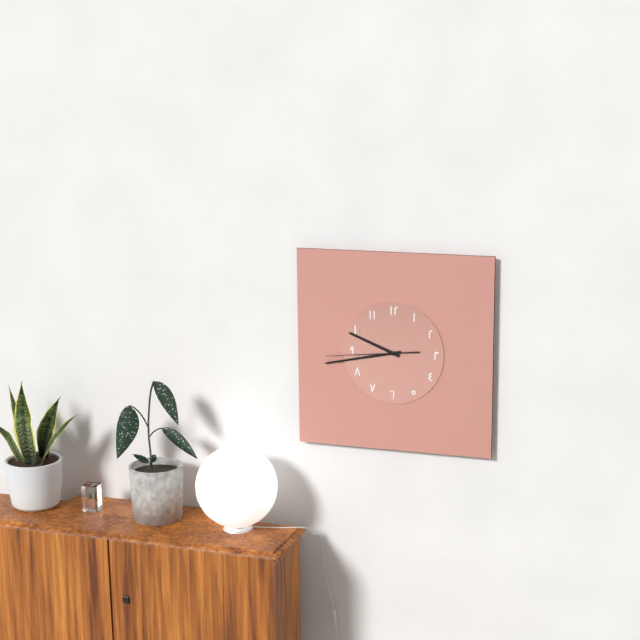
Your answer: **9:43:44**
